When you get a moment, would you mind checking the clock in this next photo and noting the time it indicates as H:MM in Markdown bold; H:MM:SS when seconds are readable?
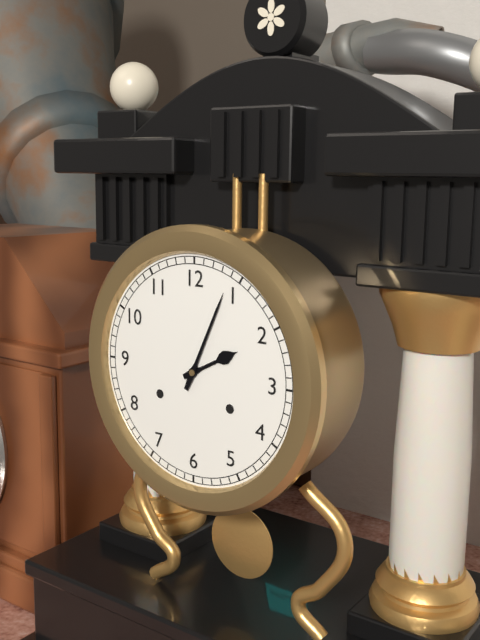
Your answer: **2:04**
